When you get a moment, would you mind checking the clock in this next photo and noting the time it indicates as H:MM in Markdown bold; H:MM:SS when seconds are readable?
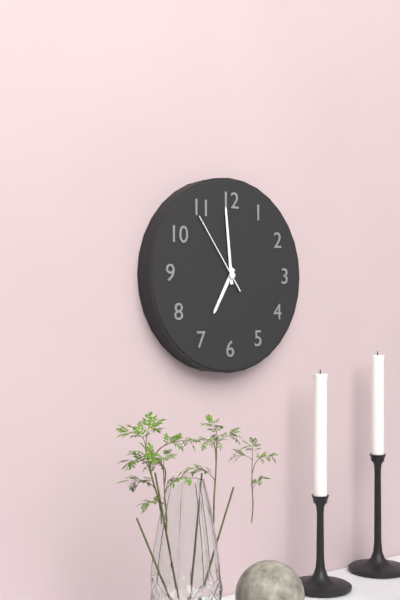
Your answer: **6:59:54**
